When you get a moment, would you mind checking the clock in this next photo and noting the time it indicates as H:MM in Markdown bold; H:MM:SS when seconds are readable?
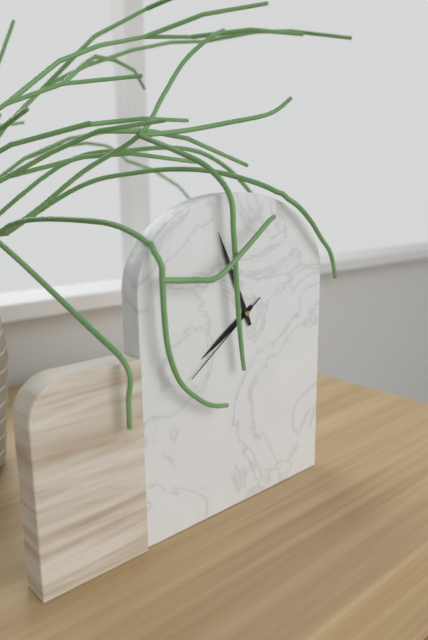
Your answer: **7:56:39**
